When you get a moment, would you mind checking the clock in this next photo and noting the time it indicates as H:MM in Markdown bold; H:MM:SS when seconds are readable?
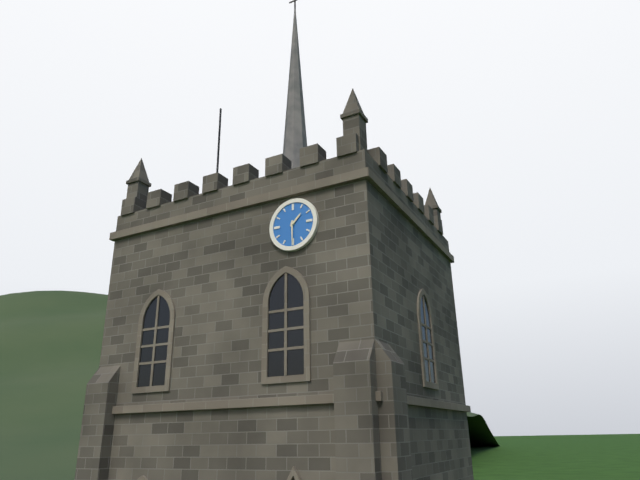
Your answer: **1:30**
